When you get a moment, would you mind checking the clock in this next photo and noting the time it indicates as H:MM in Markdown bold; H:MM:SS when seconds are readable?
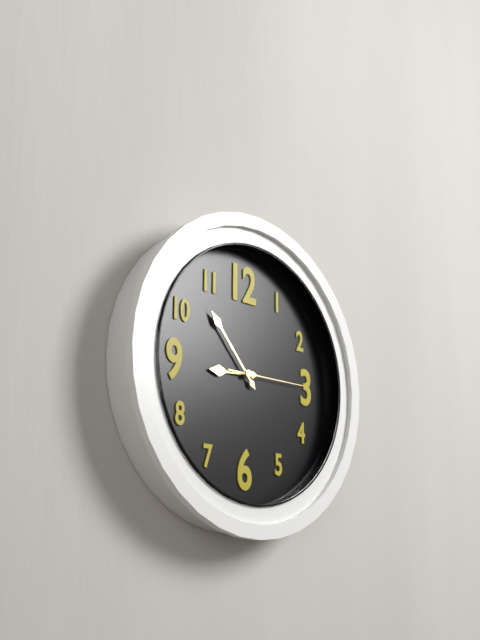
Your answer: **8:53:15**
